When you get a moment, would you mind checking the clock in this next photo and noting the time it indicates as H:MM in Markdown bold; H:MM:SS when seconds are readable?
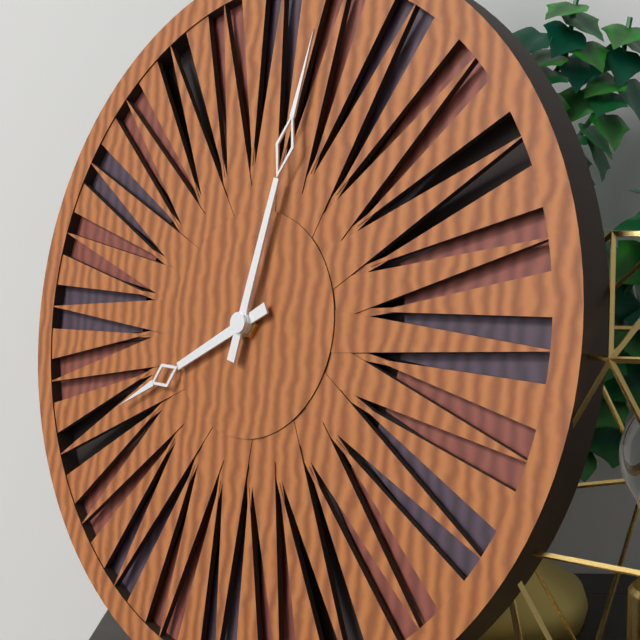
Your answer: **8:02**
